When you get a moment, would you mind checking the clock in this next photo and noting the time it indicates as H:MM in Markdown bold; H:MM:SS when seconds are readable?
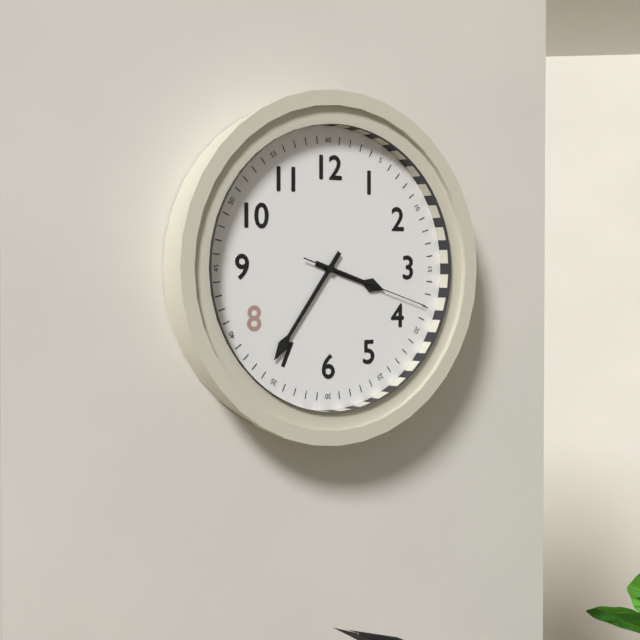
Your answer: **3:36:18**
